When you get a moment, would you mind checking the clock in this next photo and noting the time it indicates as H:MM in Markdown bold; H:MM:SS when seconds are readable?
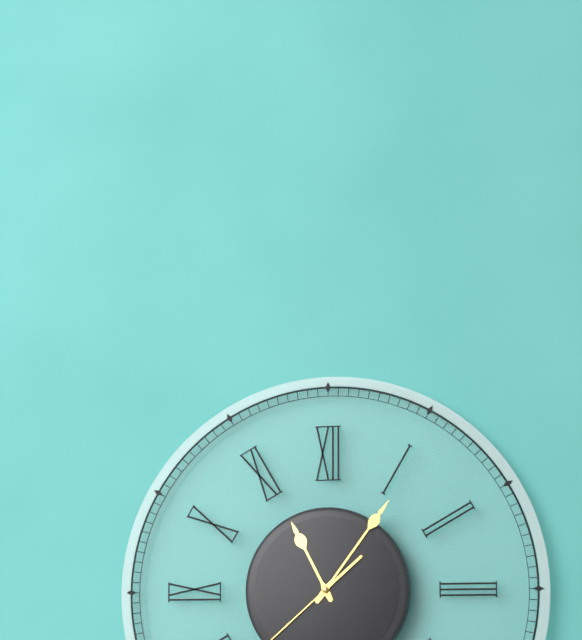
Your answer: **11:06**
